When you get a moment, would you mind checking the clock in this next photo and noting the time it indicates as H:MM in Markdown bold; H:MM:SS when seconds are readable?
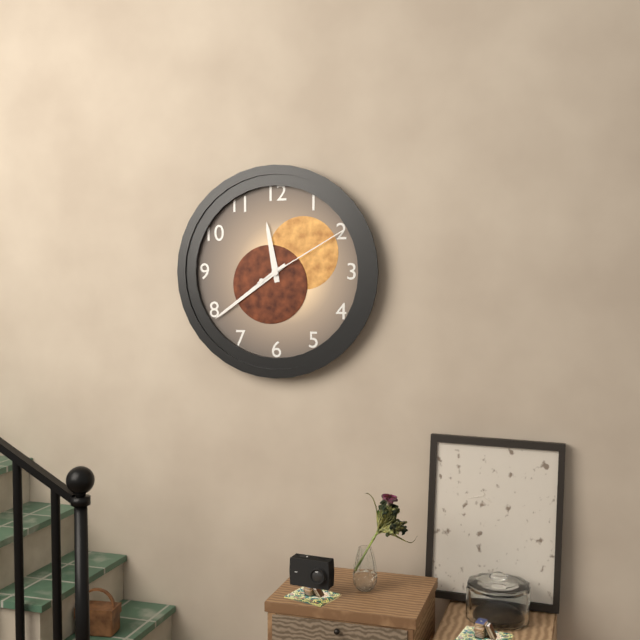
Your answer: **11:39:10**
